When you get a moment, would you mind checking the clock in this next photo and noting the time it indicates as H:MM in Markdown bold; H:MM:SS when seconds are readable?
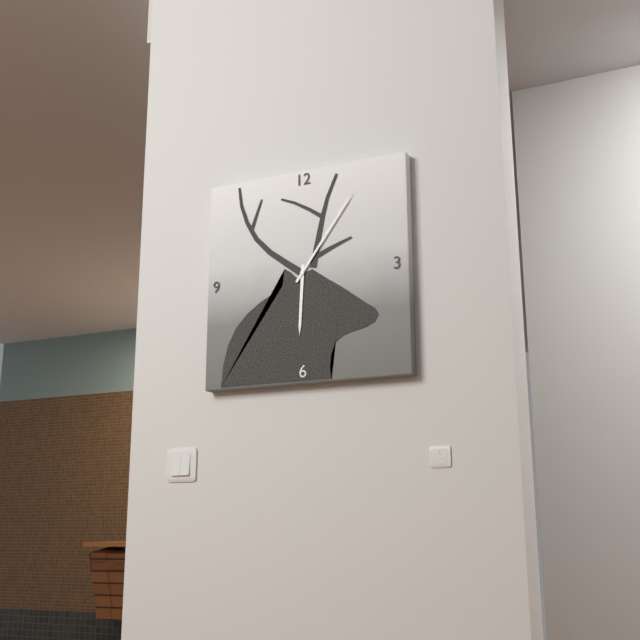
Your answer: **6:06**
